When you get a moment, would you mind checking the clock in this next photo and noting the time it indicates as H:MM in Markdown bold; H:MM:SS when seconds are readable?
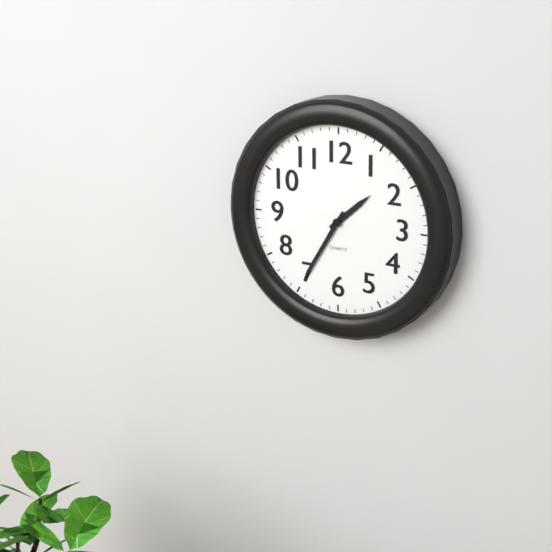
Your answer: **1:35**
